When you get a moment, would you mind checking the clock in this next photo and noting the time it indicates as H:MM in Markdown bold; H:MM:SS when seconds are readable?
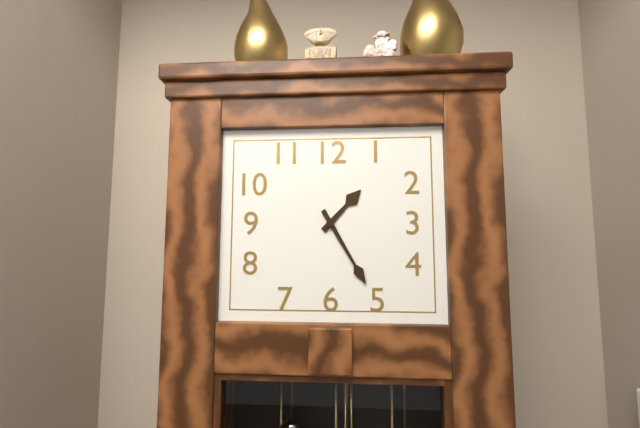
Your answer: **1:25**
